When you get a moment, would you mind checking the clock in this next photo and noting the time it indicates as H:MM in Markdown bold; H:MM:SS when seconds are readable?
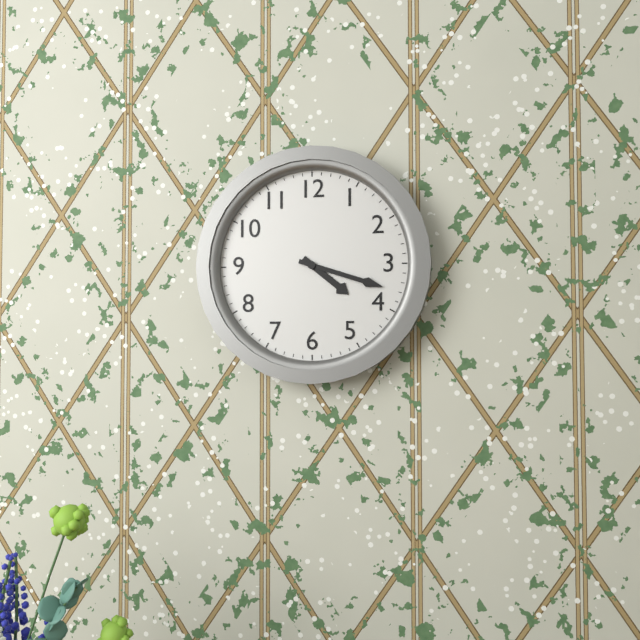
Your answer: **4:18**
